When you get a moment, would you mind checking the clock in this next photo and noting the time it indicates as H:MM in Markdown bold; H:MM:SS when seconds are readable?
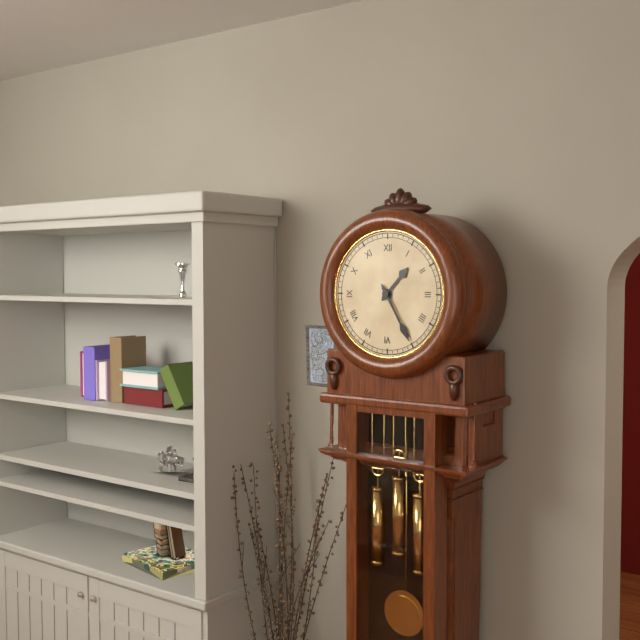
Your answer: **1:25**
